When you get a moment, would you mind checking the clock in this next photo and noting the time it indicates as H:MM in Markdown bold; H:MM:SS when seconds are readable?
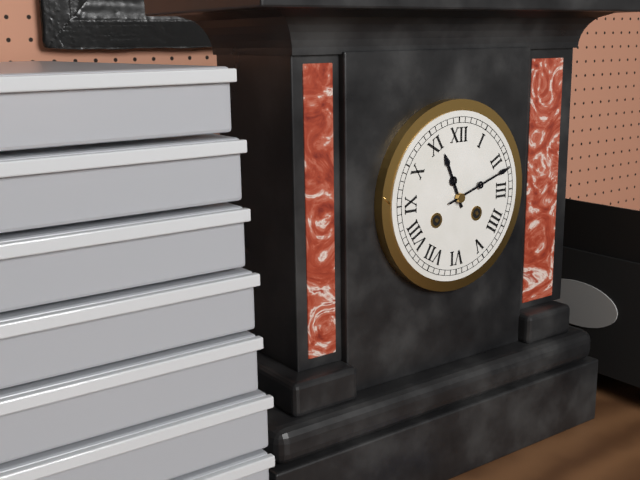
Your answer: **11:12**
